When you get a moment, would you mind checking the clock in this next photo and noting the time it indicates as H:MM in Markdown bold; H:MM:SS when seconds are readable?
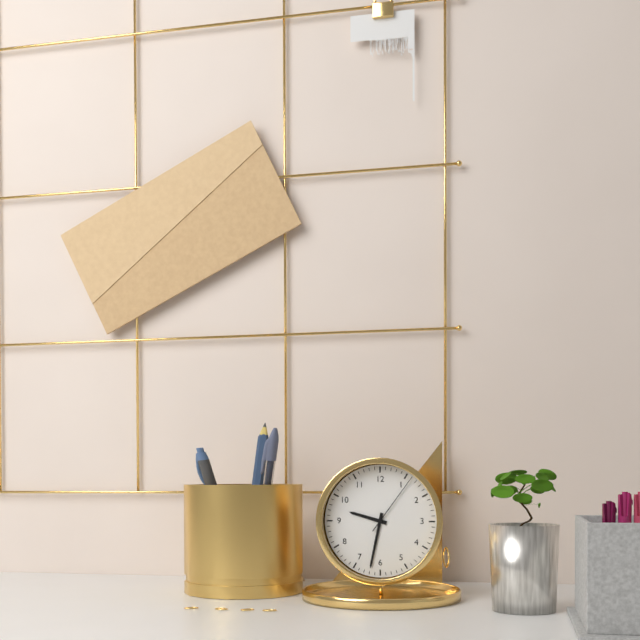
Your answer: **9:32:06**
